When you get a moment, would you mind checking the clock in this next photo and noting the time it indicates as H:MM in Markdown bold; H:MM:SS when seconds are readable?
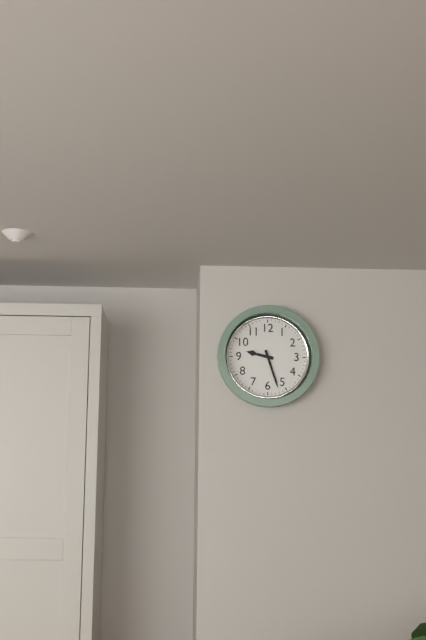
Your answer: **9:27**
